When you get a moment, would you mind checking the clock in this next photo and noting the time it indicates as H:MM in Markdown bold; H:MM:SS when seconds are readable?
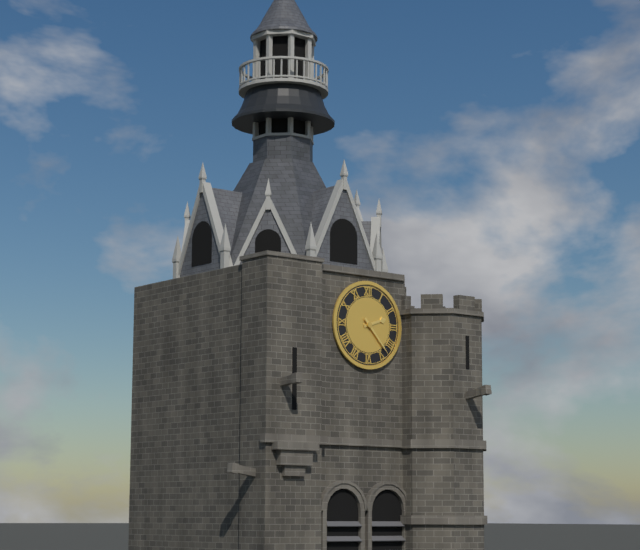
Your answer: **2:23**
